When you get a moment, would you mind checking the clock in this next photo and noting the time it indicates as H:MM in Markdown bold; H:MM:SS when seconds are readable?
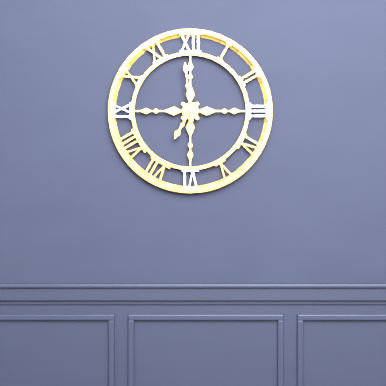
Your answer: **6:59**
